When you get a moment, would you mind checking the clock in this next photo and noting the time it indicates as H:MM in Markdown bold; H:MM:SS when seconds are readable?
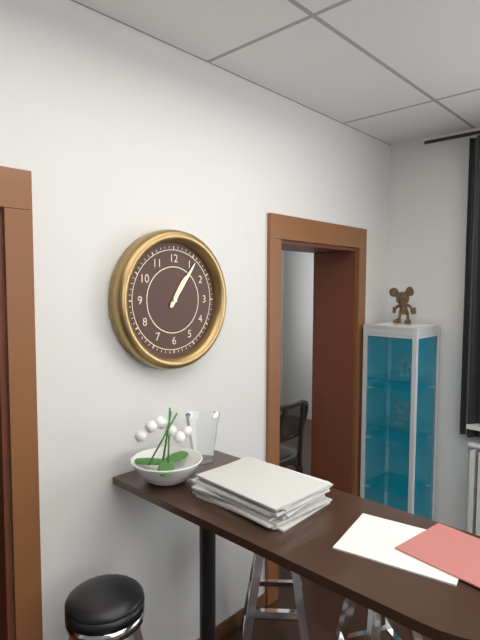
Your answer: **1:06**
